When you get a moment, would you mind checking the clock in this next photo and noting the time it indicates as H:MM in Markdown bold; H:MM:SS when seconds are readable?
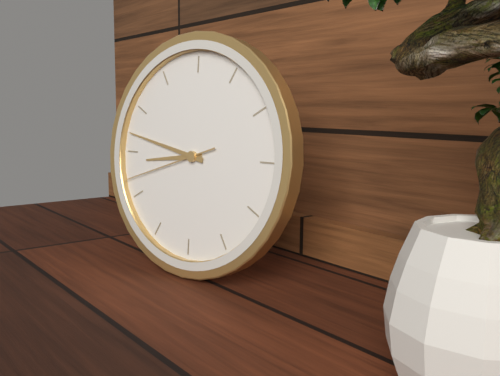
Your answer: **8:47:42**
